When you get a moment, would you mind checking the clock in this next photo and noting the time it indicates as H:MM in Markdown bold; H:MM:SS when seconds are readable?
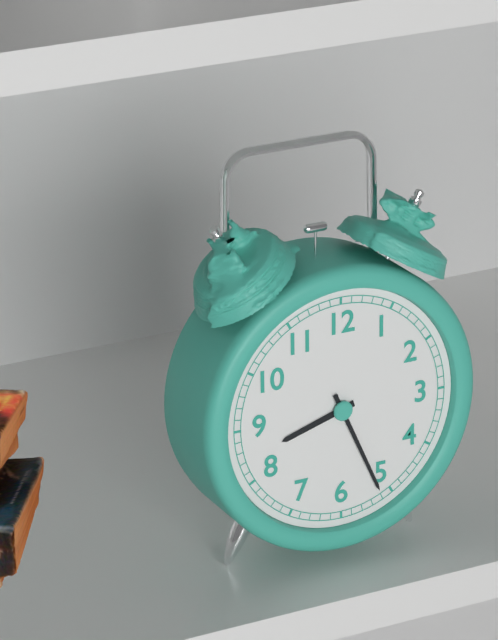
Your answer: **8:26**
